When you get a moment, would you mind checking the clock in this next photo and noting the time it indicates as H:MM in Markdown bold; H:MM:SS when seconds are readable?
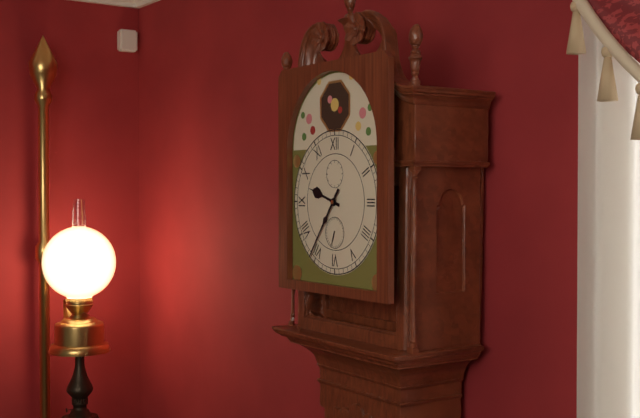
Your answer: **9:36**
